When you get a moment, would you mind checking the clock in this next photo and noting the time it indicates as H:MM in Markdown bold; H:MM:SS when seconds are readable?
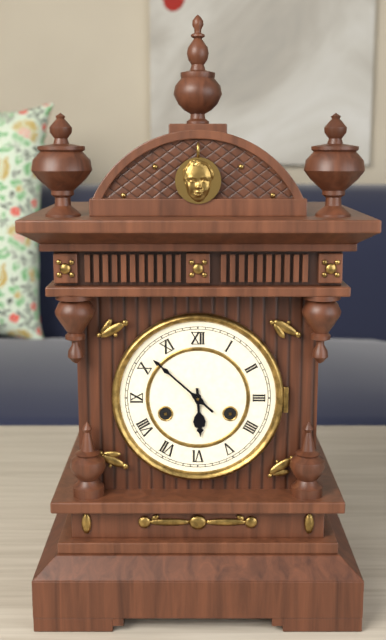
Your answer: **5:52**
